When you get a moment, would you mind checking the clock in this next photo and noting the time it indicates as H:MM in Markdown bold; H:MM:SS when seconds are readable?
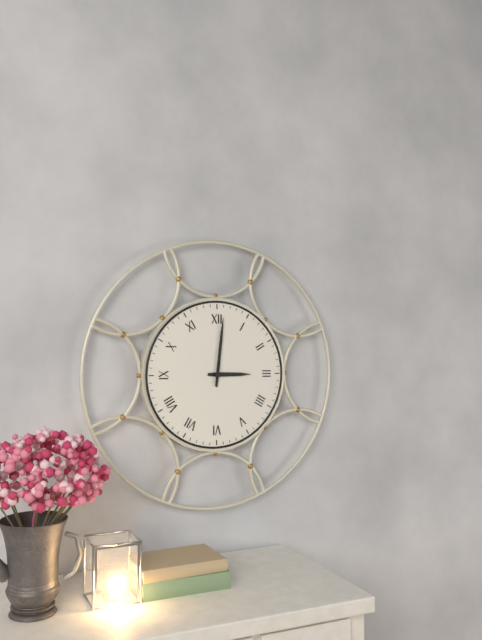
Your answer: **3:01**
